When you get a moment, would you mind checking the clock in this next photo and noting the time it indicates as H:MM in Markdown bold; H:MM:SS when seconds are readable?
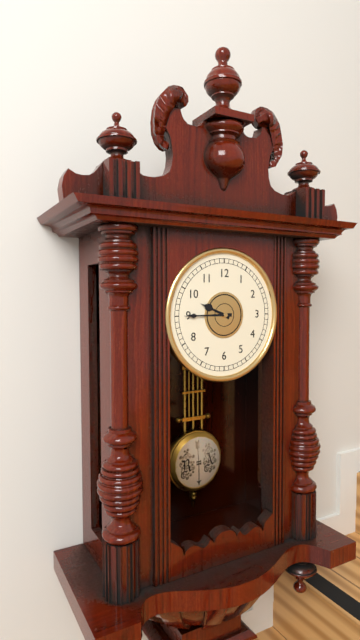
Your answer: **9:45**
